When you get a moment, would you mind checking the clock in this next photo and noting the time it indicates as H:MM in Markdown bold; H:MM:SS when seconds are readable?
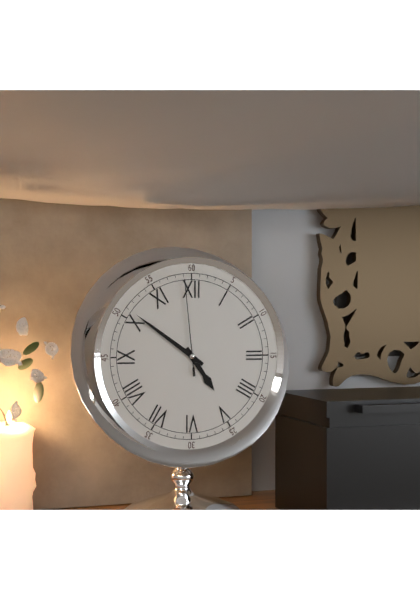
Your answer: **4:51:59**
